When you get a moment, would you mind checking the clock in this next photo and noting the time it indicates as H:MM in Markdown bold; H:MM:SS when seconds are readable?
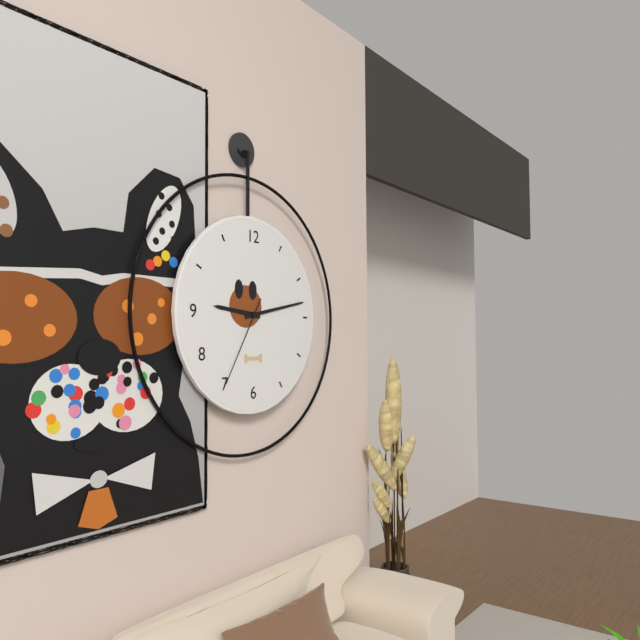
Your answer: **9:13:35**
